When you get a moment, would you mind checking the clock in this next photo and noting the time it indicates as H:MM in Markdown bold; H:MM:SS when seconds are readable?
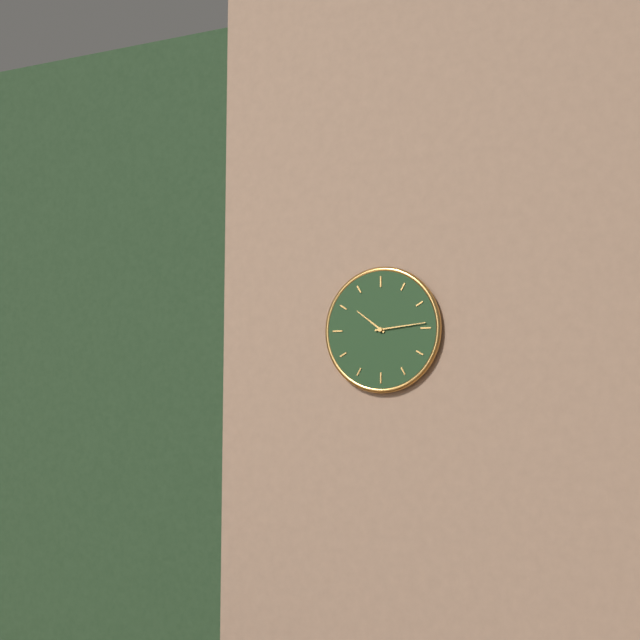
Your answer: **10:14**
